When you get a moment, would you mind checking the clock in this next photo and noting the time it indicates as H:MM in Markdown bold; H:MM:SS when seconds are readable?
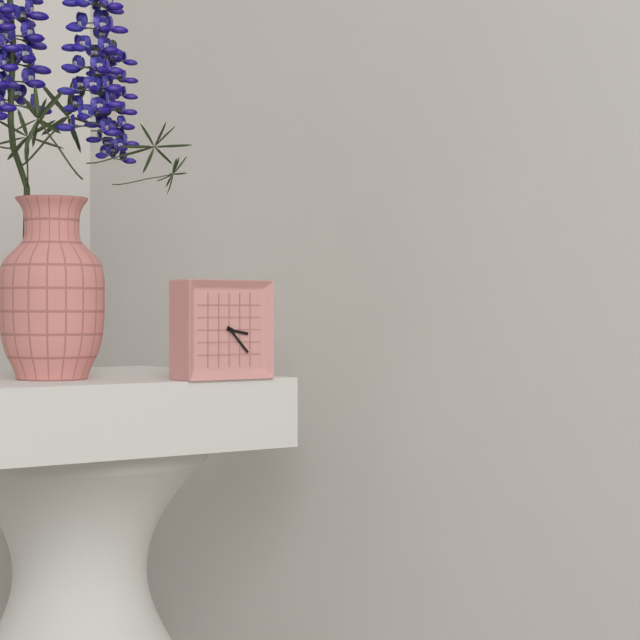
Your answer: **3:23**
